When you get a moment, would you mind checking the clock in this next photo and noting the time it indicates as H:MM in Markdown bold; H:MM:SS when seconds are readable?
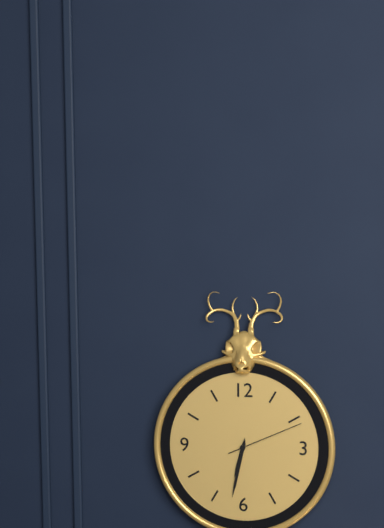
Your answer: **6:32:11**
